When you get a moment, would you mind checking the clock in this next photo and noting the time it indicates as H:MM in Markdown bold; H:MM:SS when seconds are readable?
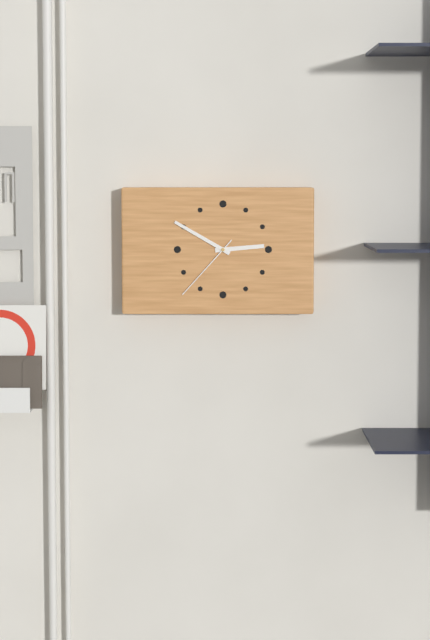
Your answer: **2:50:37**
